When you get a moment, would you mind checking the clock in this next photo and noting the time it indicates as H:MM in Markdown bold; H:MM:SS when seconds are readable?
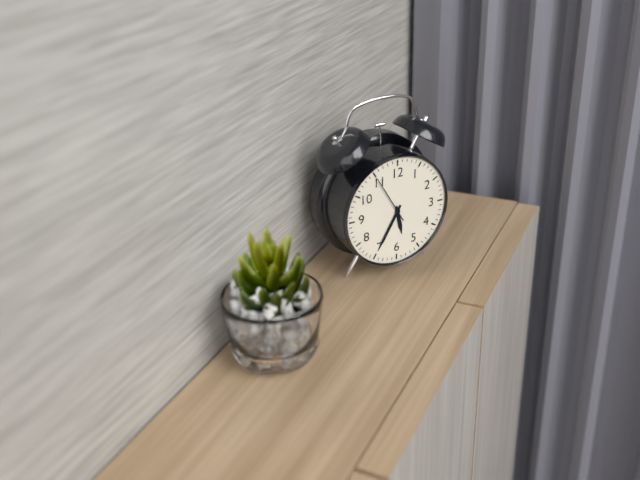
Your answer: **5:35**
